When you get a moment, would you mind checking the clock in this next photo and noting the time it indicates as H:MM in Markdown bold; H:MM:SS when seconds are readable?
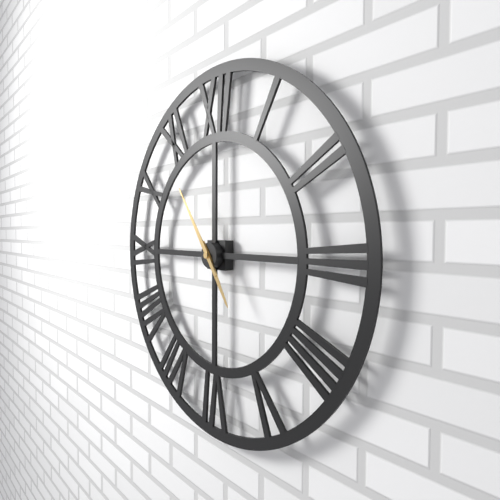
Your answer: **4:54**
